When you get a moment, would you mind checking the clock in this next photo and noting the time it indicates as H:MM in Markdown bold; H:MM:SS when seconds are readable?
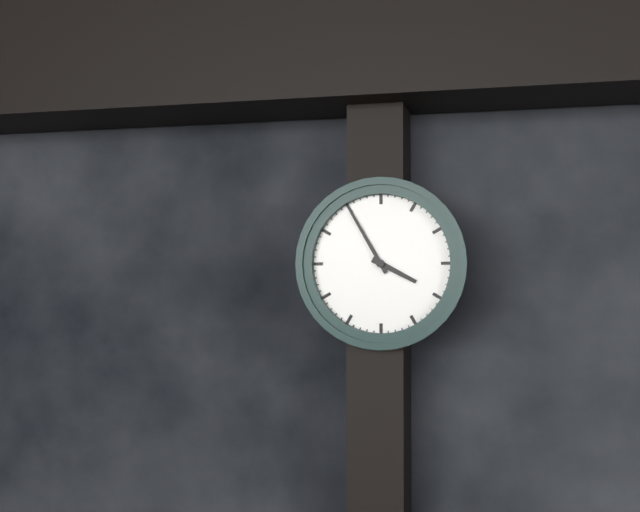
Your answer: **3:55**
